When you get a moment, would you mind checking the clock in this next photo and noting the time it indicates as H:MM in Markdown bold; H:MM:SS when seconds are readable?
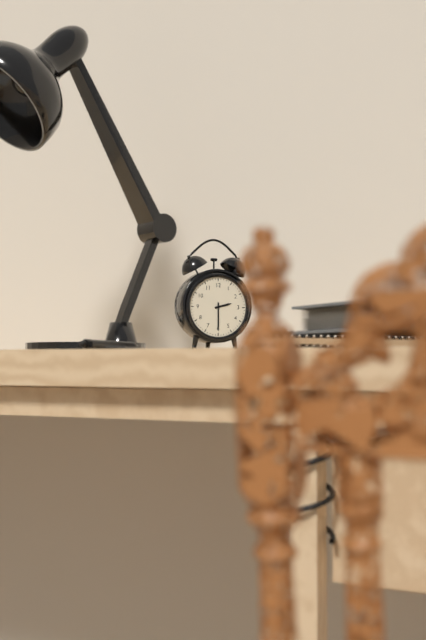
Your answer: **2:30**
